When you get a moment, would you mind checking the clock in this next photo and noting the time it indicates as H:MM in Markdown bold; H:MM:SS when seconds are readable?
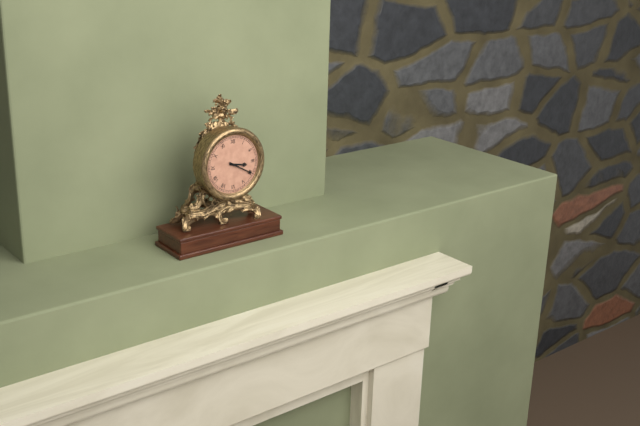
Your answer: **3:20**
